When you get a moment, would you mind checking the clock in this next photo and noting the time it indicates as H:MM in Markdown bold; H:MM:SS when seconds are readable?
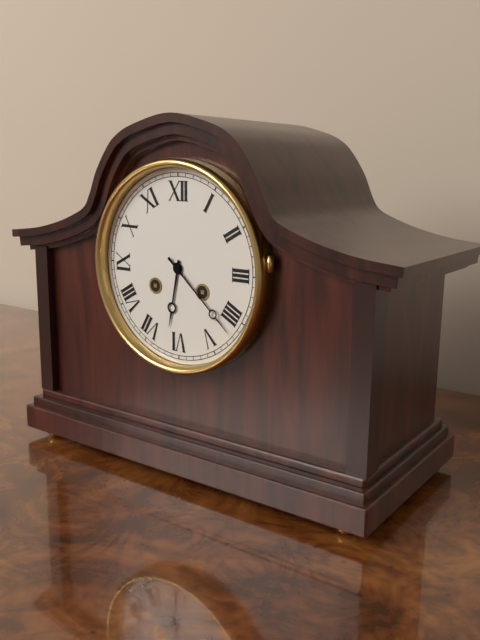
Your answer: **6:22**
